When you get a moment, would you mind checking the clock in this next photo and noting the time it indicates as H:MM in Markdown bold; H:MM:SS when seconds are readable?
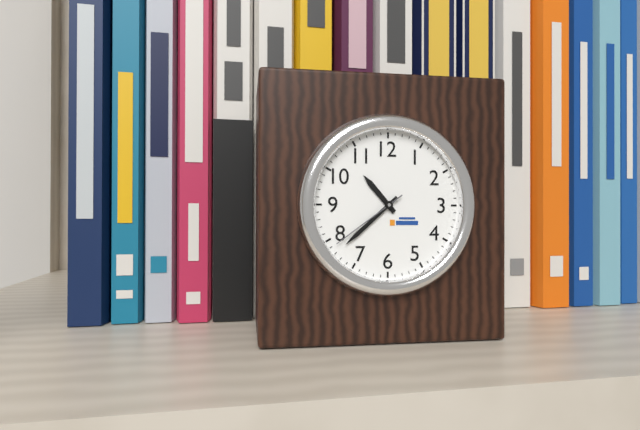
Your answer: **10:38:39**
